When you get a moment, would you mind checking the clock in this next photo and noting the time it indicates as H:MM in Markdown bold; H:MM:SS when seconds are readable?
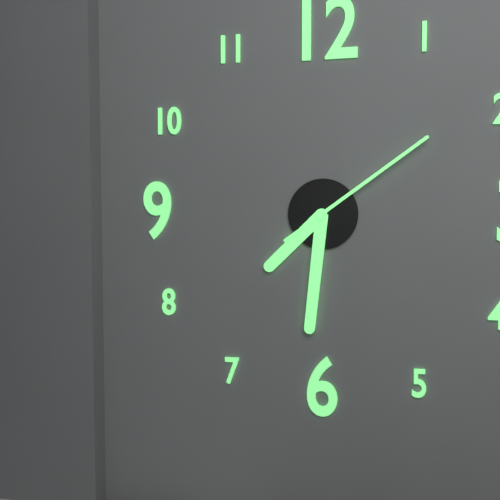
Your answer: **7:31:09**
